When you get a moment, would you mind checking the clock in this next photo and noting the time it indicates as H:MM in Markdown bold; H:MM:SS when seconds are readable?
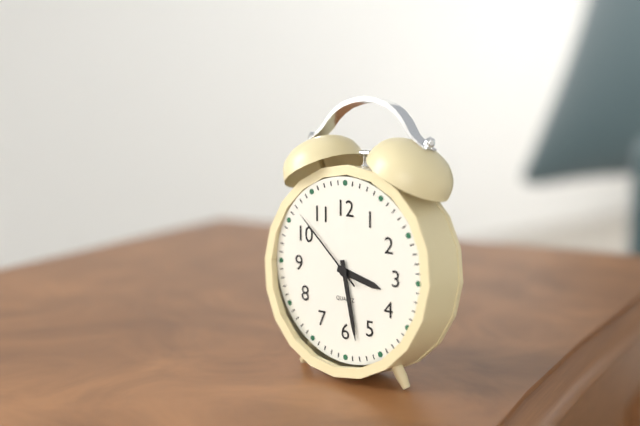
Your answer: **3:28:52**
